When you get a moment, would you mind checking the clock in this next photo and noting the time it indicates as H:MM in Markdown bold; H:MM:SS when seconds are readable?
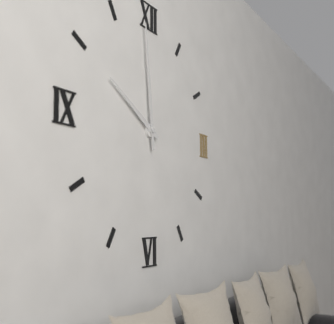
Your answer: **9:59**
